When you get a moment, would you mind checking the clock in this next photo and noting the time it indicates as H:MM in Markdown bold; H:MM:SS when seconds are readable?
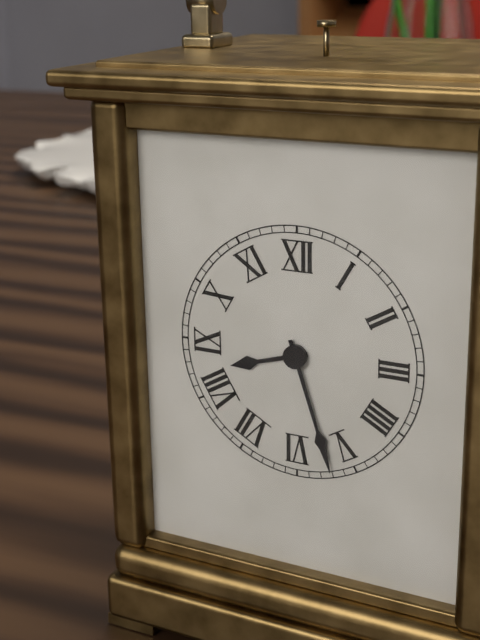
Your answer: **8:27**
